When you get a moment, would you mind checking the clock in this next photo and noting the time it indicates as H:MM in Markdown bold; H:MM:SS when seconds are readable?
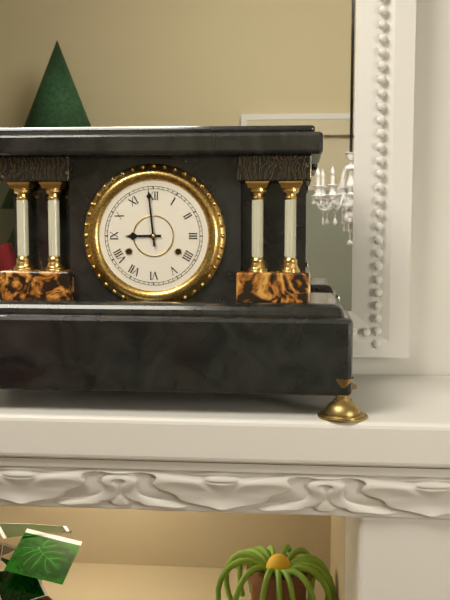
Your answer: **8:59**
